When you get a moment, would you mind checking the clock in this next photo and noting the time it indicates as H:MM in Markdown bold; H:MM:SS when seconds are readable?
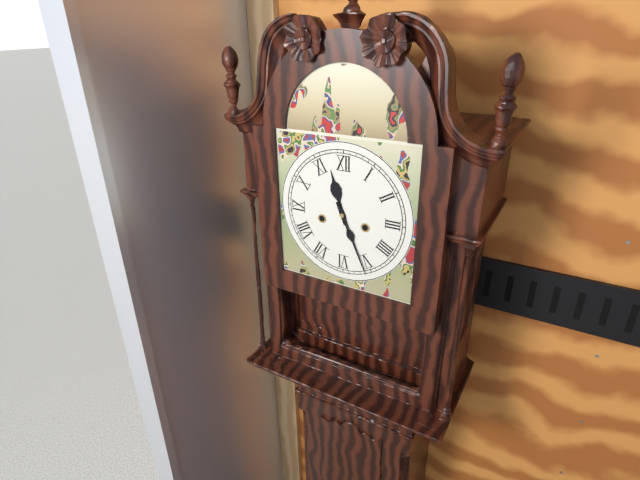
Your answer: **11:26**
